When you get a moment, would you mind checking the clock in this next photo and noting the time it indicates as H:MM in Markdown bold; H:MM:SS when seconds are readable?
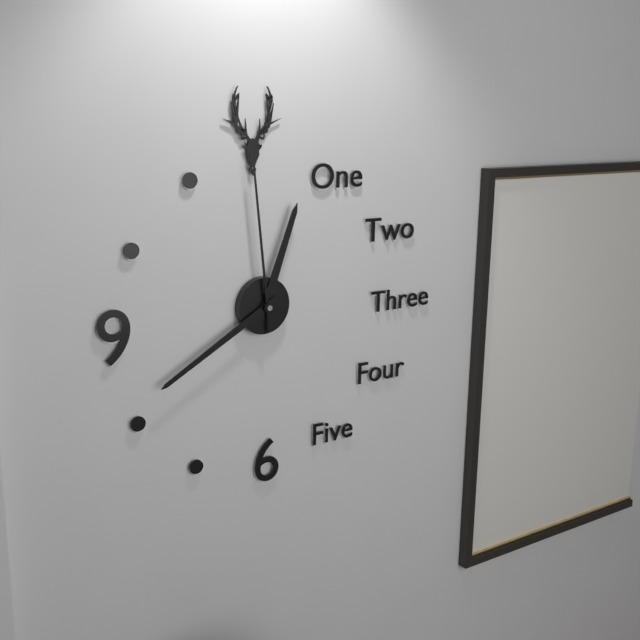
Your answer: **12:40:59**
